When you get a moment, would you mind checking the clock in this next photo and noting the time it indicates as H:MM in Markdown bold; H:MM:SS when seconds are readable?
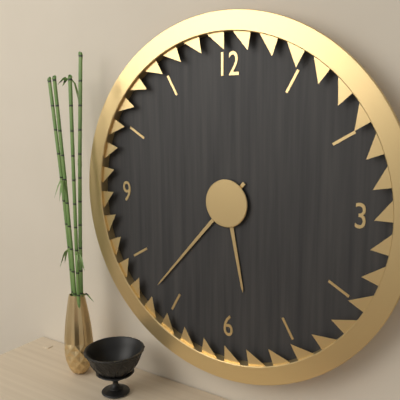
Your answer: **5:37**
